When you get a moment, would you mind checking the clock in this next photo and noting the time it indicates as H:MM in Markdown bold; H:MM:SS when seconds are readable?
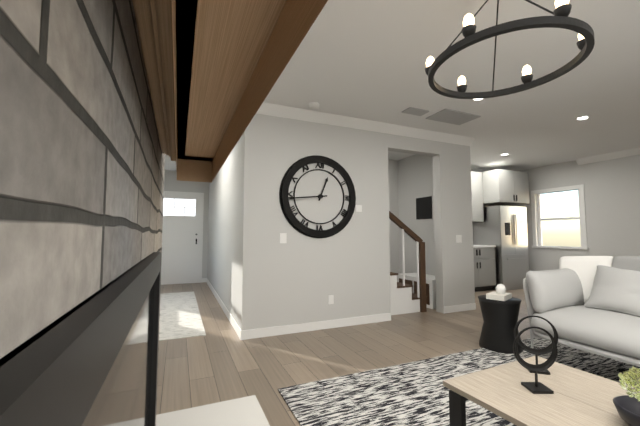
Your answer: **12:44**
